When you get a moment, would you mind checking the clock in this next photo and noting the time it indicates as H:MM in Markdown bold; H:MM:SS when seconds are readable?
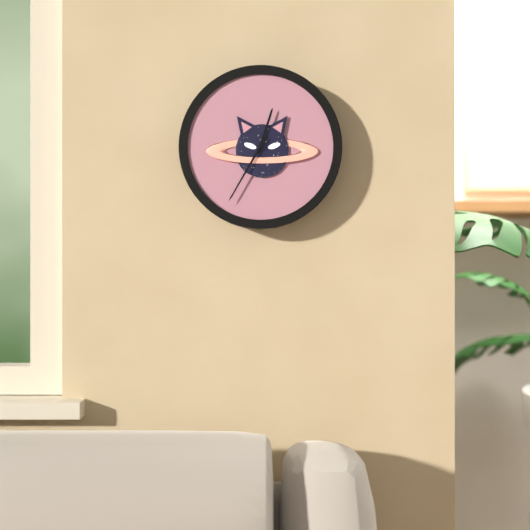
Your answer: **12:35**
